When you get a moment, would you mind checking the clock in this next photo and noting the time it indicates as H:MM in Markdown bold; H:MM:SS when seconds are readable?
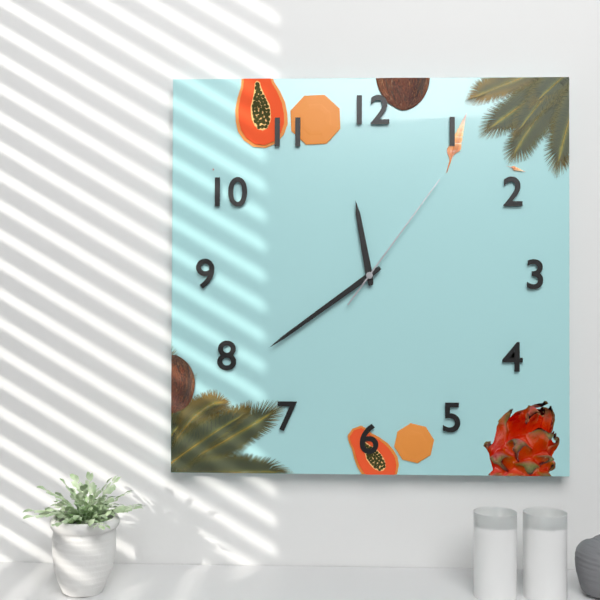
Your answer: **11:39:06**
